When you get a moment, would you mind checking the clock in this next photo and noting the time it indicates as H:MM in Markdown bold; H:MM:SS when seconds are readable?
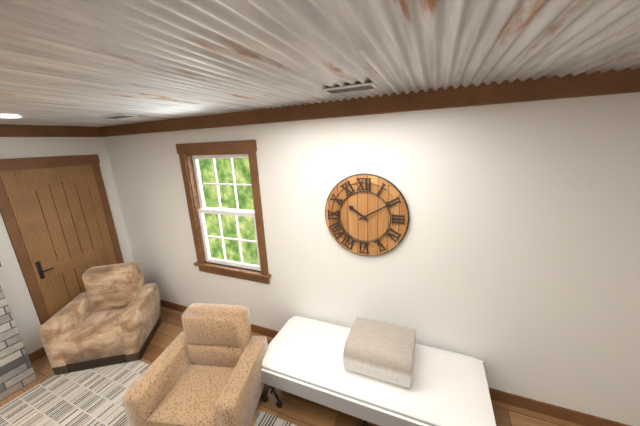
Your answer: **10:10**
